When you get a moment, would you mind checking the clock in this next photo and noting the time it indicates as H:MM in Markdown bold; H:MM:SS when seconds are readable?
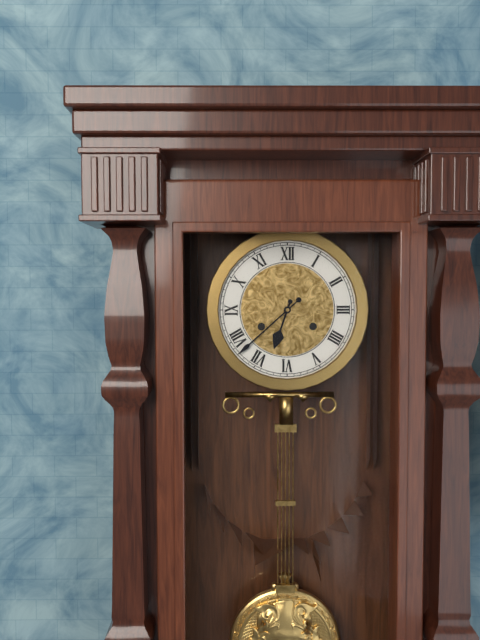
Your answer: **6:38**
